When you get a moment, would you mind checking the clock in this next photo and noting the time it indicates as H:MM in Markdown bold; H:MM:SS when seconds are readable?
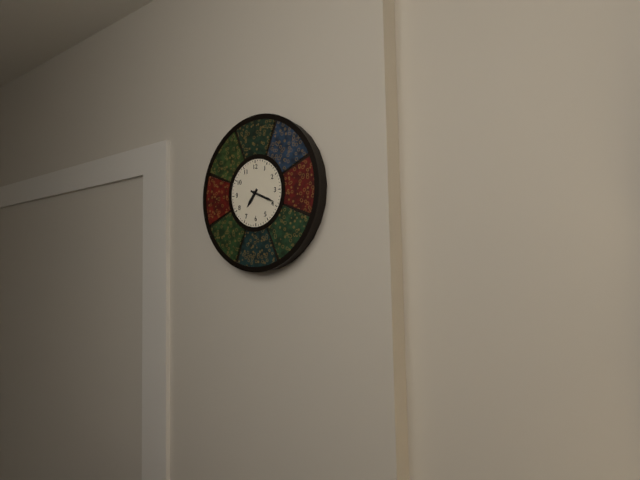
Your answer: **7:19**
